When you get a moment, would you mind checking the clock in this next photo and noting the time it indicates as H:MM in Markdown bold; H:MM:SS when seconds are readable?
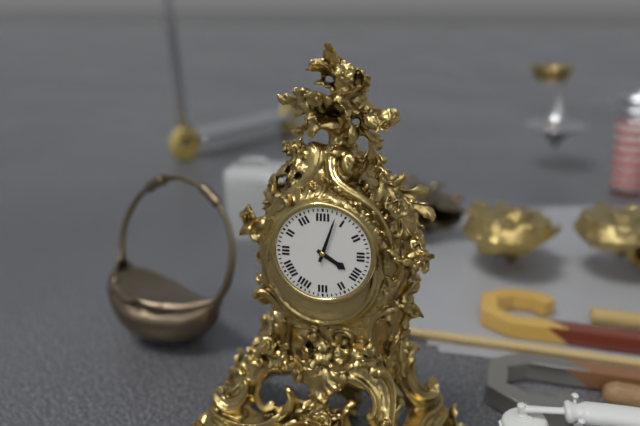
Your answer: **4:03**
